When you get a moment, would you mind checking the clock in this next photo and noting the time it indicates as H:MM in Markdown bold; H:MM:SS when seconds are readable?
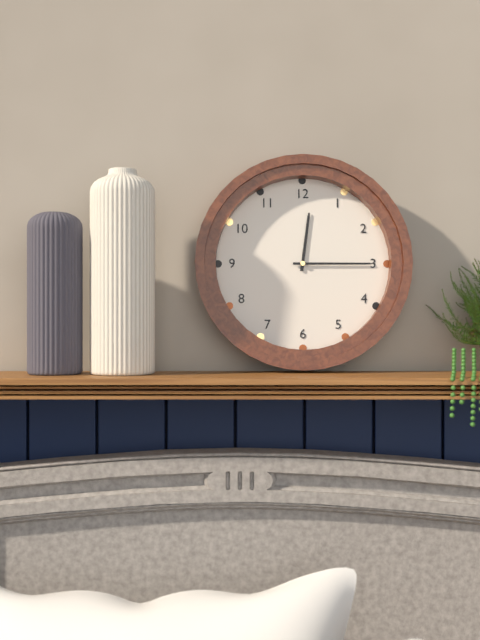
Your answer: **12:15**
